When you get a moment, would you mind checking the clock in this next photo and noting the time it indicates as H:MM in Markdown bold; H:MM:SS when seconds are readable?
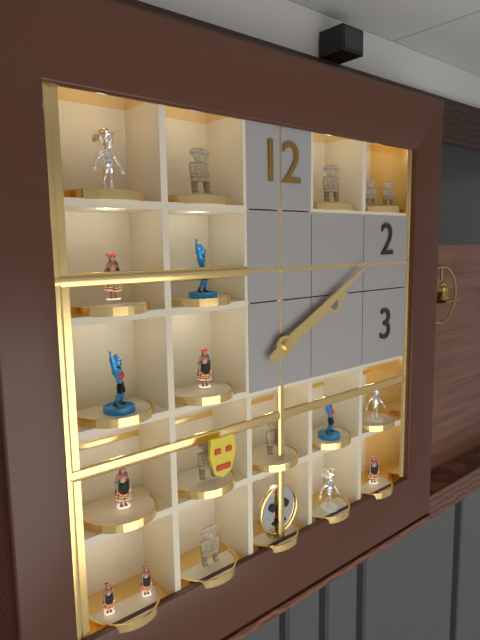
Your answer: **2:10**
